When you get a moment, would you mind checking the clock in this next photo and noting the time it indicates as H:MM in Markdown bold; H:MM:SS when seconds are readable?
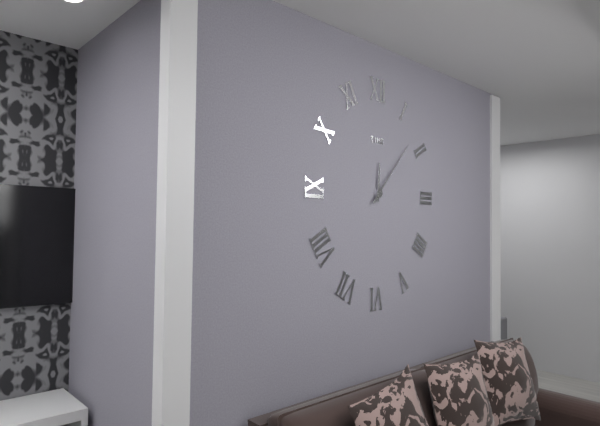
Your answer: **12:07**
